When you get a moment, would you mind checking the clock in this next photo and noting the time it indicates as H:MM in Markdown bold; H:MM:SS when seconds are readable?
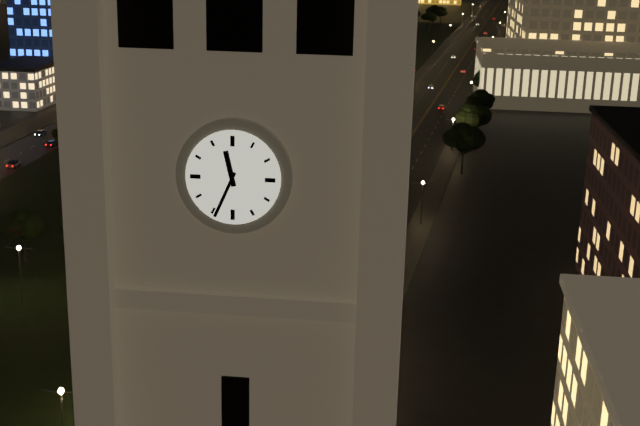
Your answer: **11:34**
